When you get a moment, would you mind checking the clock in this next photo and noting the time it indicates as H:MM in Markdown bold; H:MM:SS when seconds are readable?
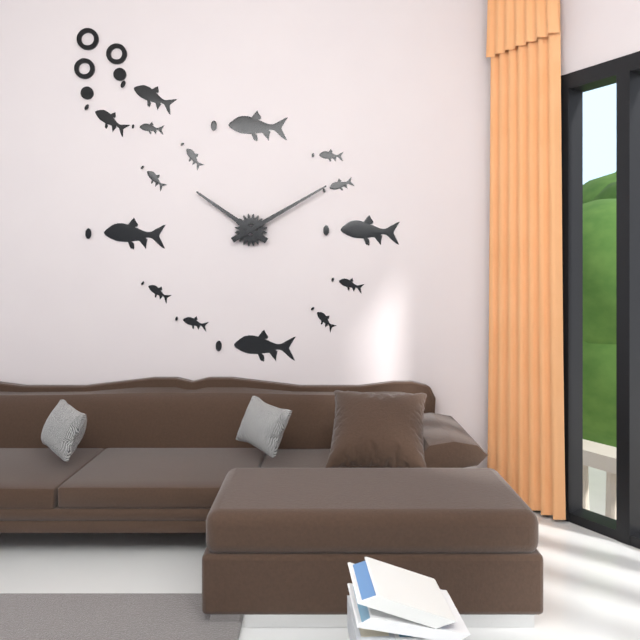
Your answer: **10:10**
